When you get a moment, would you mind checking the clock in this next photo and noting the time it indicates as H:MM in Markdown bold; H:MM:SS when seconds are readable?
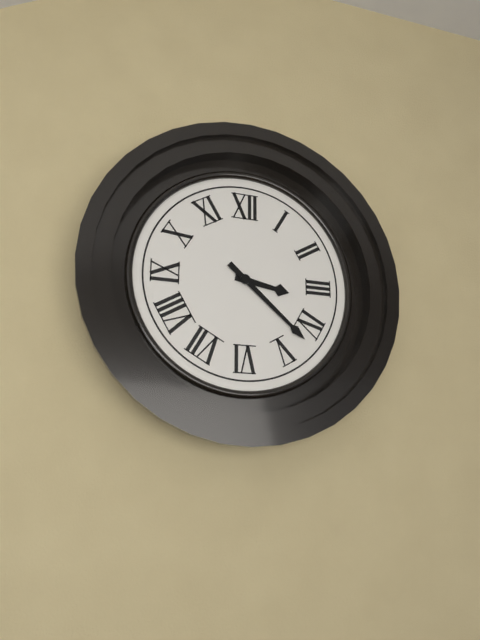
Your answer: **3:22**
